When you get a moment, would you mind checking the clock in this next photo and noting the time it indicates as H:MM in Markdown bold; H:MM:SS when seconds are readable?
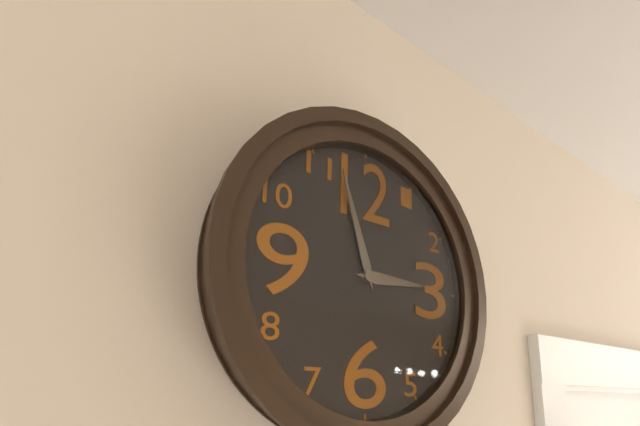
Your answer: **2:57**
